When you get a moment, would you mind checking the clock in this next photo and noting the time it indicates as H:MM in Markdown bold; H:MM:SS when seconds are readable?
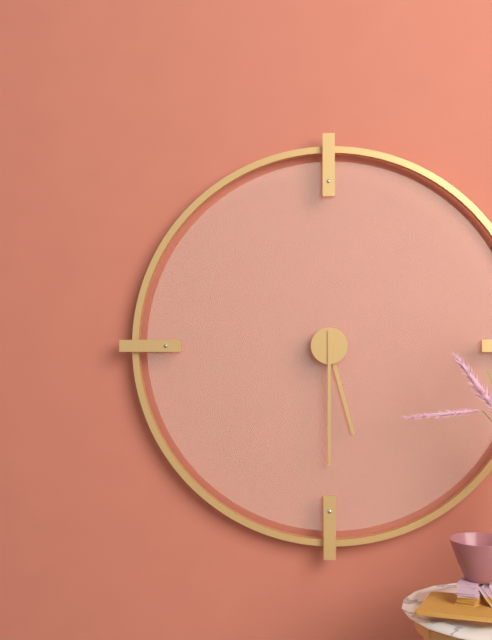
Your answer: **5:30**
